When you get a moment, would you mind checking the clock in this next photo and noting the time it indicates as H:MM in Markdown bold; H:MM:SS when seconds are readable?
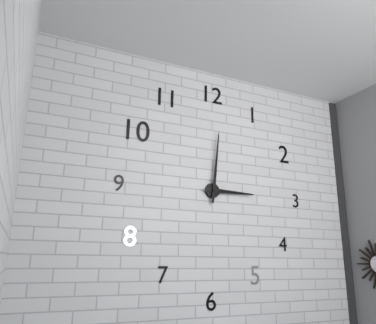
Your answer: **3:01**
